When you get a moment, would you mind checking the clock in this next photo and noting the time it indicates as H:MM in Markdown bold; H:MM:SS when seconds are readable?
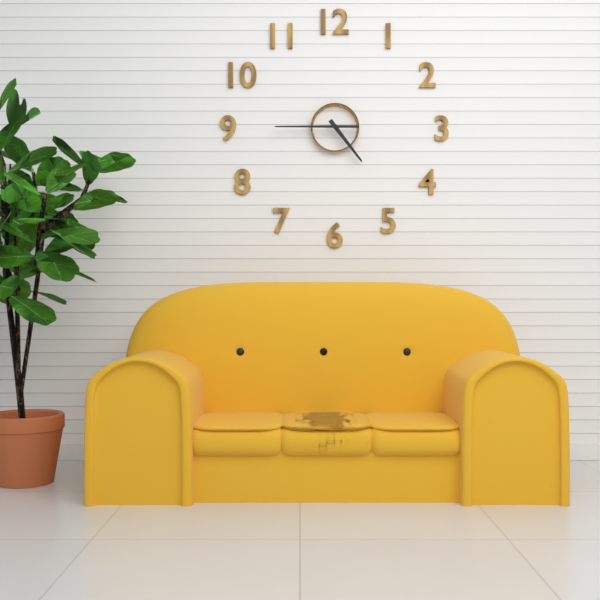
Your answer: **4:45**
